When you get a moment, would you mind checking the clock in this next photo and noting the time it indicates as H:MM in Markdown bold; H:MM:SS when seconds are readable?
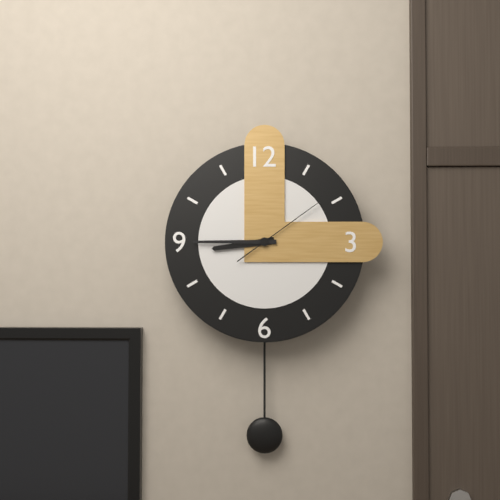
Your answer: **8:45:09**
